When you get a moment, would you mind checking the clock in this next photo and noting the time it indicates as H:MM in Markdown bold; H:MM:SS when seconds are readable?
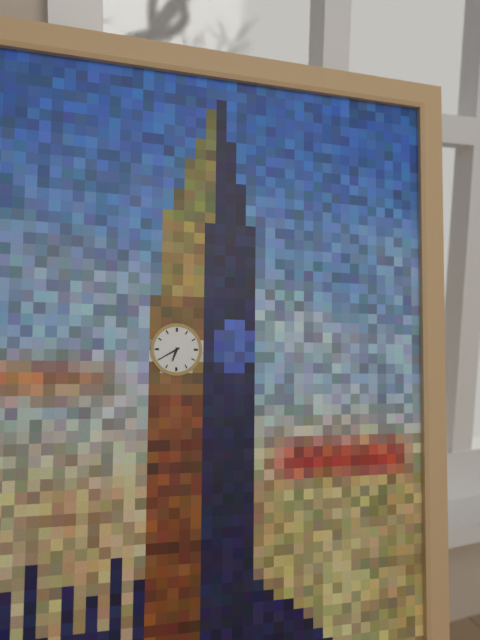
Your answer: **6:40**
